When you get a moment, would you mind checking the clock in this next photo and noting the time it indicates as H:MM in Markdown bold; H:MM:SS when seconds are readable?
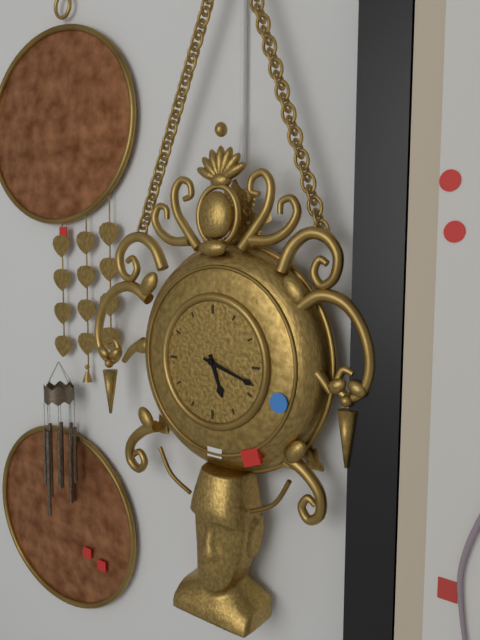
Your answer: **5:18**
